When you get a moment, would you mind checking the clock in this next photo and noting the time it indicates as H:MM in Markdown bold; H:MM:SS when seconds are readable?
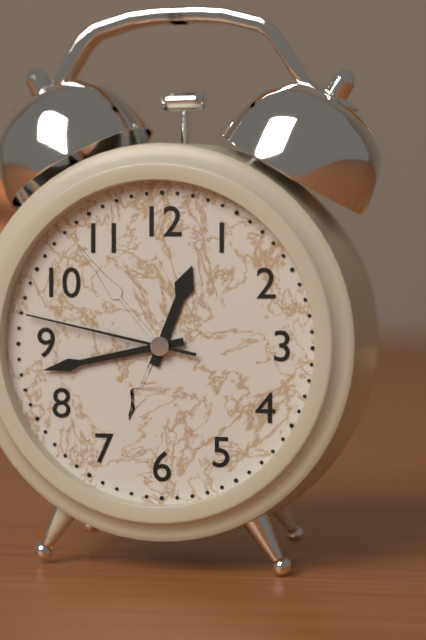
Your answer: **12:43:47**
